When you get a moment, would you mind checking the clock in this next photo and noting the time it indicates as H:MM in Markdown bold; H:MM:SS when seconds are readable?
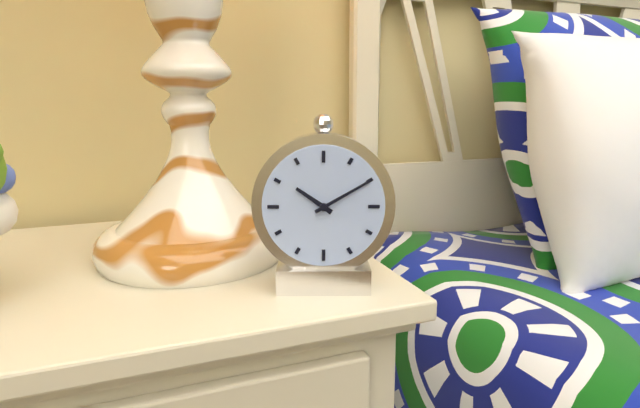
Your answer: **10:10**
